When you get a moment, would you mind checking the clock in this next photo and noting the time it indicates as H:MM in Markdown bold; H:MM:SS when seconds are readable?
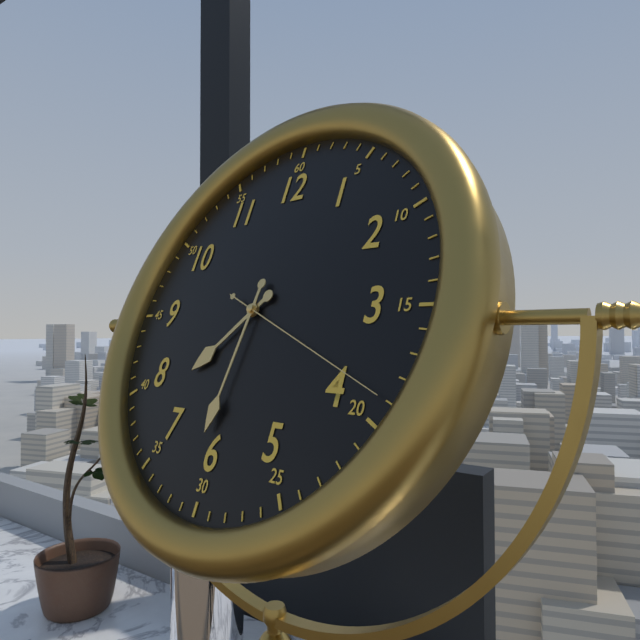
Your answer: **7:31:19**
